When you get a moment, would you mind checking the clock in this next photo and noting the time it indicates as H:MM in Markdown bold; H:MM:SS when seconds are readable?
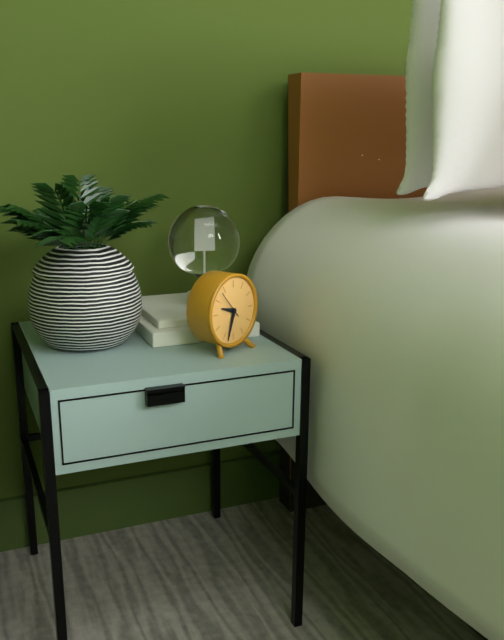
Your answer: **9:33**
